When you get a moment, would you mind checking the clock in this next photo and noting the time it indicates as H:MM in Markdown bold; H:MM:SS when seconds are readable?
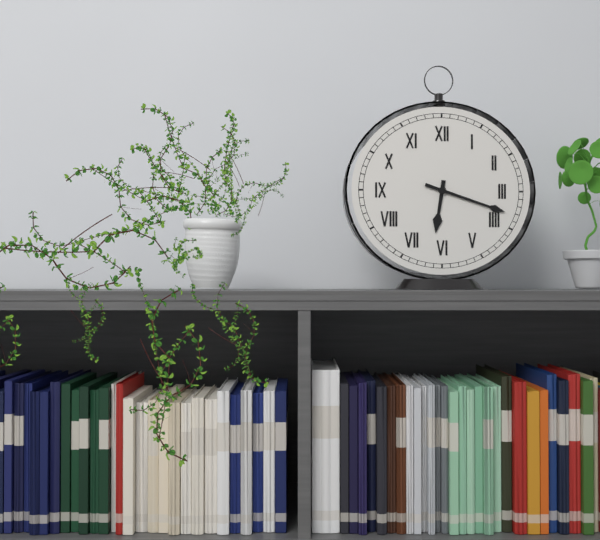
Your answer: **6:18**
